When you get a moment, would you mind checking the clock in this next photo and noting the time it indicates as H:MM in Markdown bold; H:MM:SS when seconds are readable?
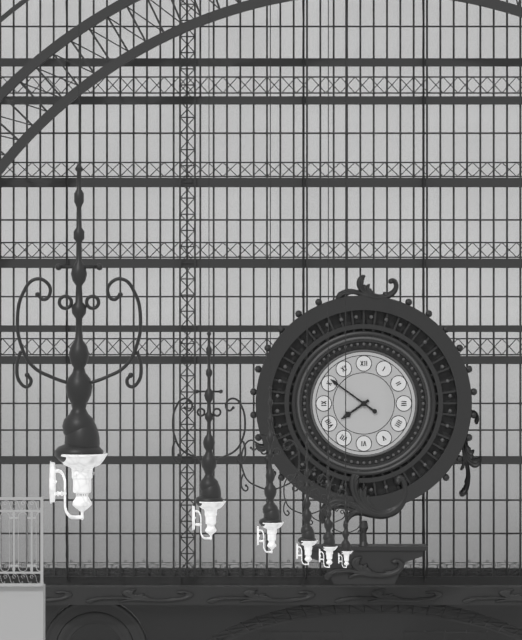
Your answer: **7:51**
